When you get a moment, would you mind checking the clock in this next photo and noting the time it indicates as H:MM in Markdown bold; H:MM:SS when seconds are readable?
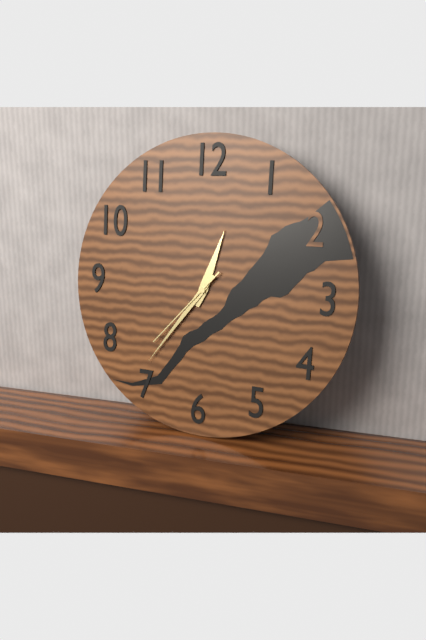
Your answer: **12:36:37**
